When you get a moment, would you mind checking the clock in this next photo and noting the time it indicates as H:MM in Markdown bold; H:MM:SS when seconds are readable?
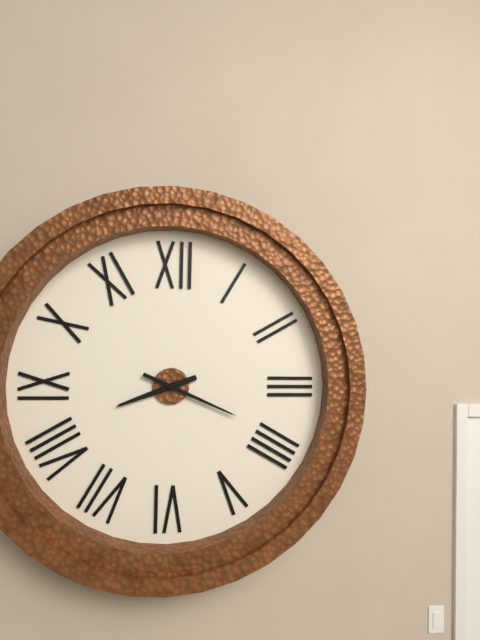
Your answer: **8:19**
